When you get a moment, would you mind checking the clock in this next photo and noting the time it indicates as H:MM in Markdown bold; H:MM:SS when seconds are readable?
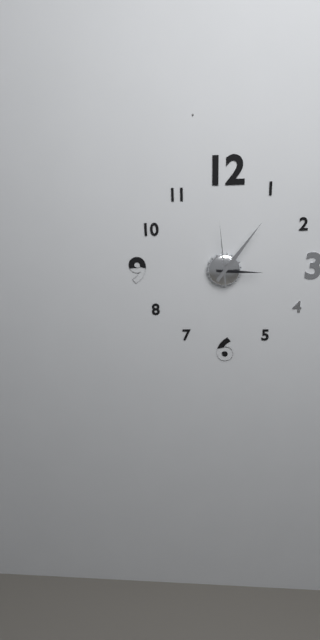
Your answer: **3:06:59**
